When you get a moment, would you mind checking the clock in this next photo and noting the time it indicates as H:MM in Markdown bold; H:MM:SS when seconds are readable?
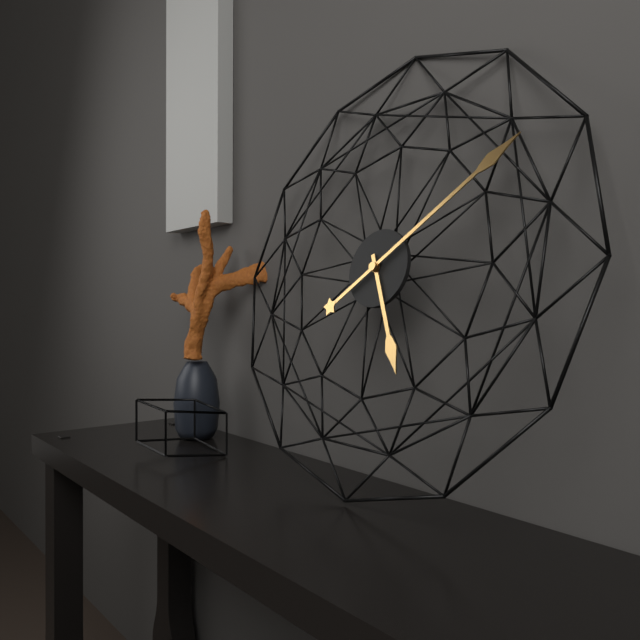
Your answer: **5:09**
